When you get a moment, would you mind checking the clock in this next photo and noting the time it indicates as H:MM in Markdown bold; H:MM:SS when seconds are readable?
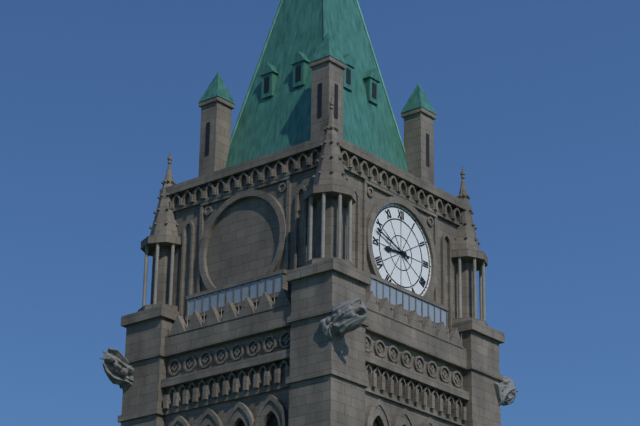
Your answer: **8:48**
